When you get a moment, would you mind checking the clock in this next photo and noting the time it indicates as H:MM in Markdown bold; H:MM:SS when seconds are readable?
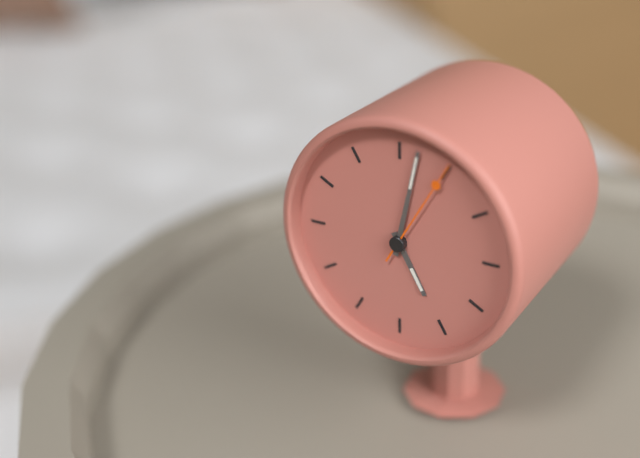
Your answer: **5:02:05**
